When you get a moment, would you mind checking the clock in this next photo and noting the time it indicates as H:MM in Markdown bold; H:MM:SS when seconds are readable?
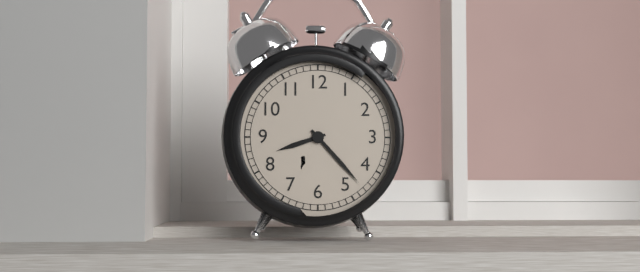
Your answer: **8:23**
